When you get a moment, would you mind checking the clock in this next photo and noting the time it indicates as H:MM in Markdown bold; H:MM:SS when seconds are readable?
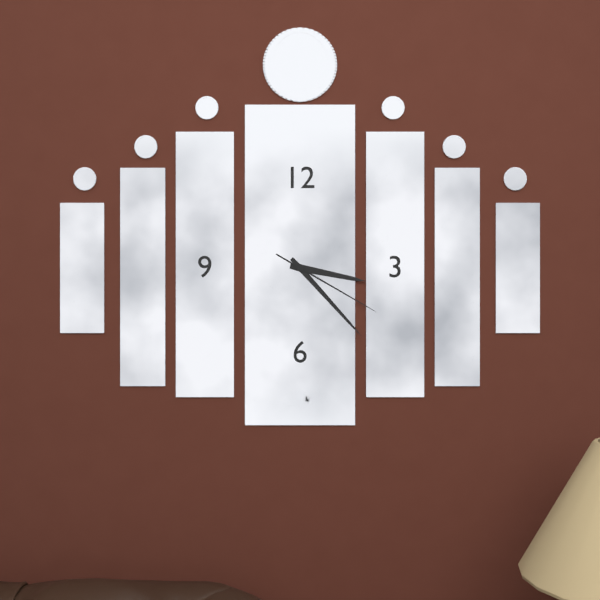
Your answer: **3:23:20**
